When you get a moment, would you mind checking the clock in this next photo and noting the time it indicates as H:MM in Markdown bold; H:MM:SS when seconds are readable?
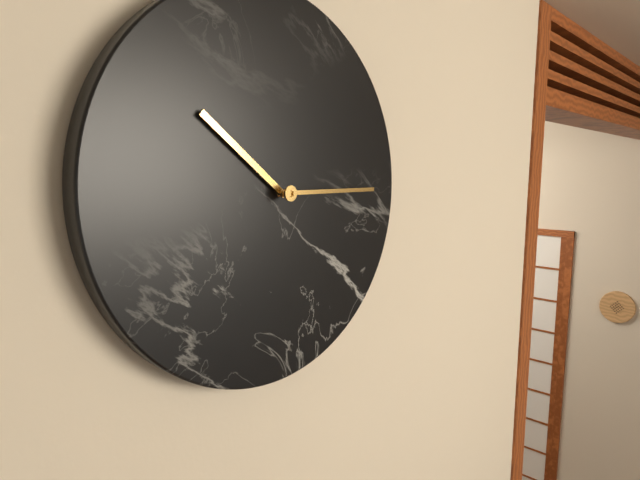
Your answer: **10:15**
